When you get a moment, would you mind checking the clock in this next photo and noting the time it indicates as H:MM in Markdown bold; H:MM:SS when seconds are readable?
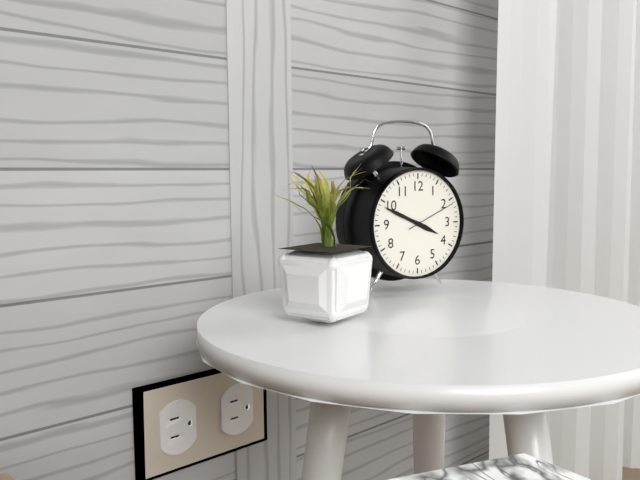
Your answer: **3:49:11**
